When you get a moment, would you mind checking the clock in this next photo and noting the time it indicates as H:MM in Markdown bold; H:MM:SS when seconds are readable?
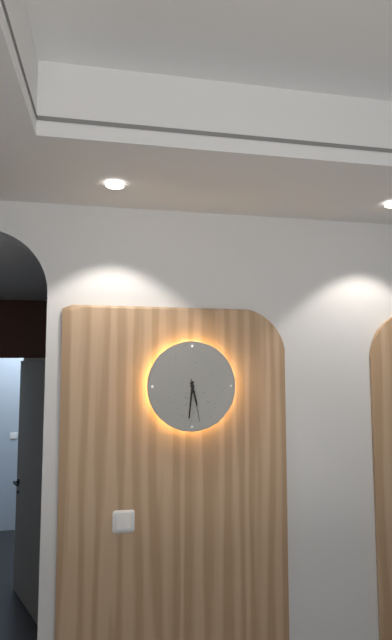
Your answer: **5:31**
